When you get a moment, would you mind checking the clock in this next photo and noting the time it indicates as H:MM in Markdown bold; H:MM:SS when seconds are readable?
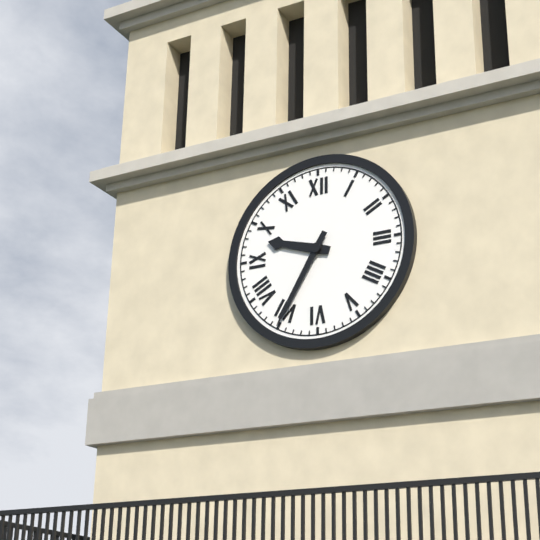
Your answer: **9:35**
